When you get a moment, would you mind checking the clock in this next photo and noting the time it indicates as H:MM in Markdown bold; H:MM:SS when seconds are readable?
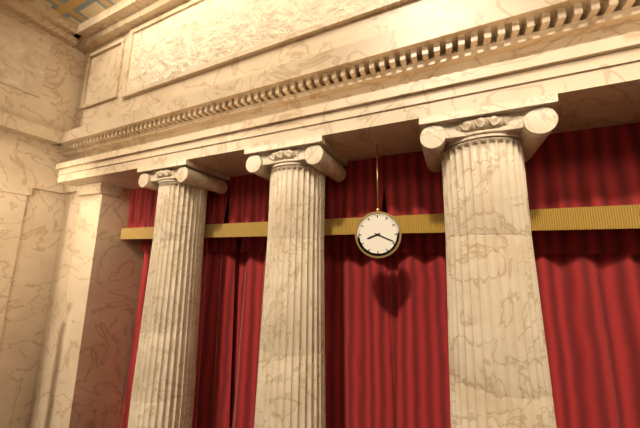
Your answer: **8:19**
